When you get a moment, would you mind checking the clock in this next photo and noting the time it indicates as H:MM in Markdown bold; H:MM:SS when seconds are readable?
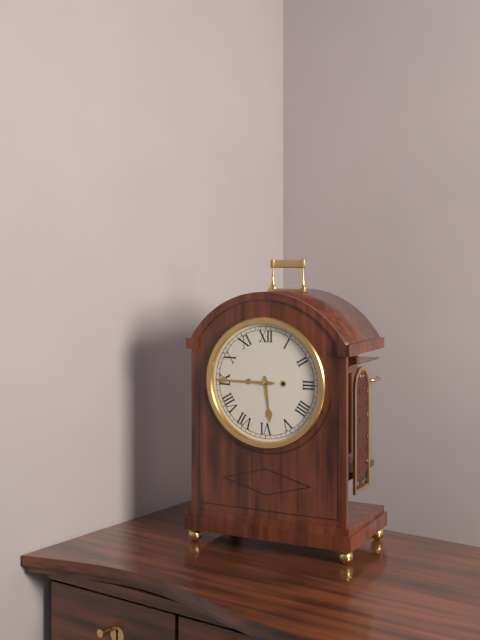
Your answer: **5:45**
